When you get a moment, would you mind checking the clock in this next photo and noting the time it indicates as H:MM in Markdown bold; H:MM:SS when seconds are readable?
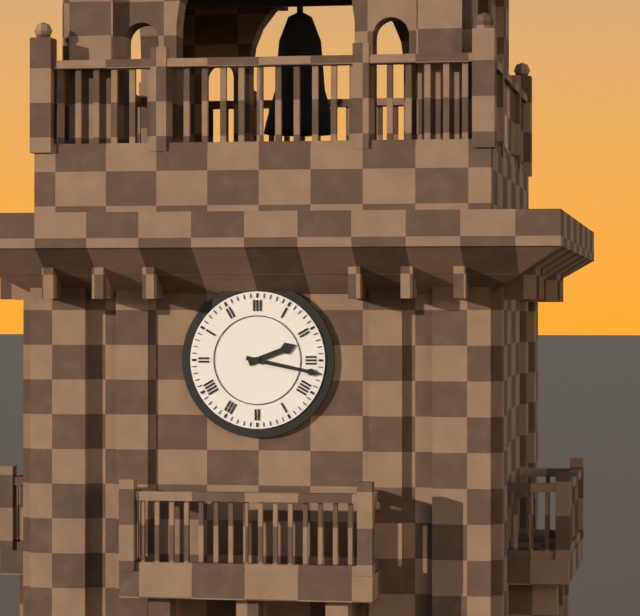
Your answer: **2:17**
